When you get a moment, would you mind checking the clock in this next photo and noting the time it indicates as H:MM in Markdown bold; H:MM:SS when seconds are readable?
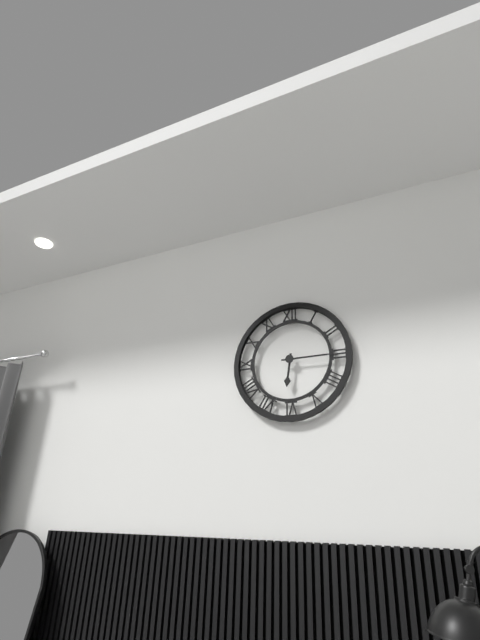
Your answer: **6:15**
